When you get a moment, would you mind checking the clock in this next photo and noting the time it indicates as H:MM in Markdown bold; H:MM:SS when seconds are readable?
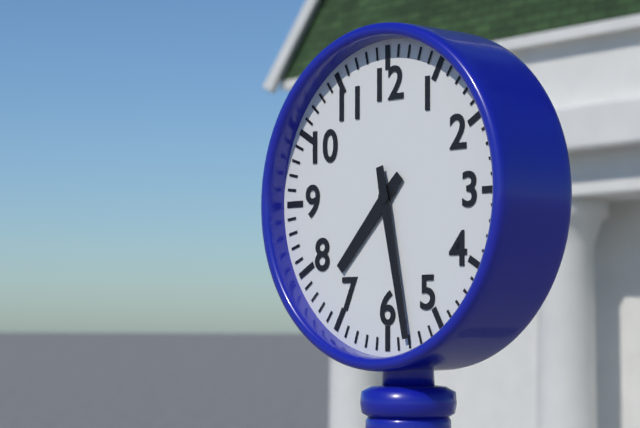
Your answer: **7:28**
